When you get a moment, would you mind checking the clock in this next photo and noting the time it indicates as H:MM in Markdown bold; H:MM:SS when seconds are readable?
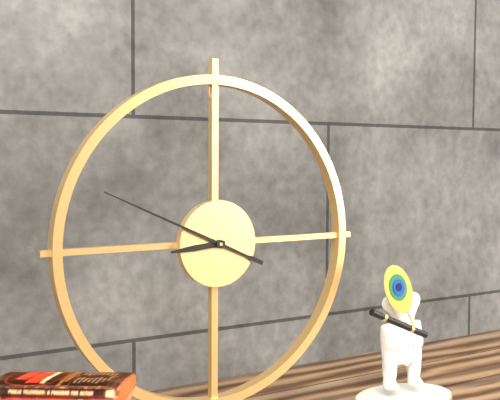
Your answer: **8:49**
